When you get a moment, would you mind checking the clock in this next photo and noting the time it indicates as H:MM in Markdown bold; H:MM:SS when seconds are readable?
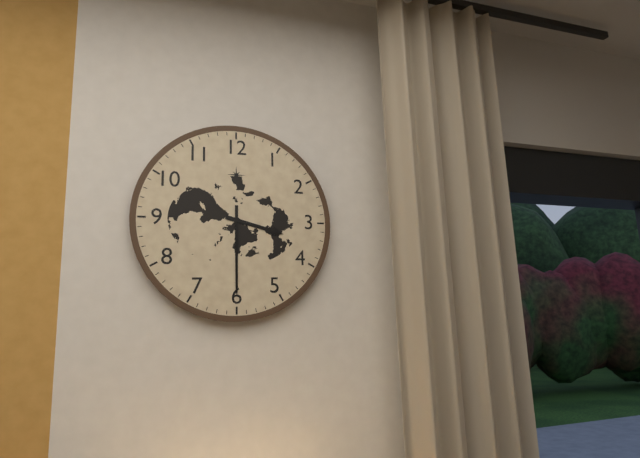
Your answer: **3:30**
